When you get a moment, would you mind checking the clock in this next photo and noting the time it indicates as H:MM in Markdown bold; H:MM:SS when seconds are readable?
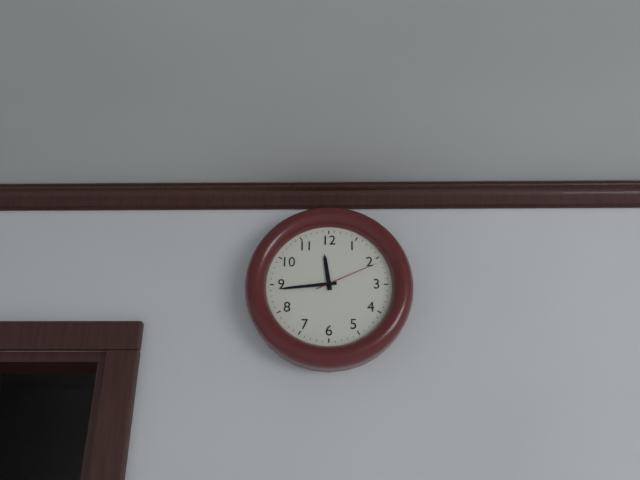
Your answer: **11:44:11**
